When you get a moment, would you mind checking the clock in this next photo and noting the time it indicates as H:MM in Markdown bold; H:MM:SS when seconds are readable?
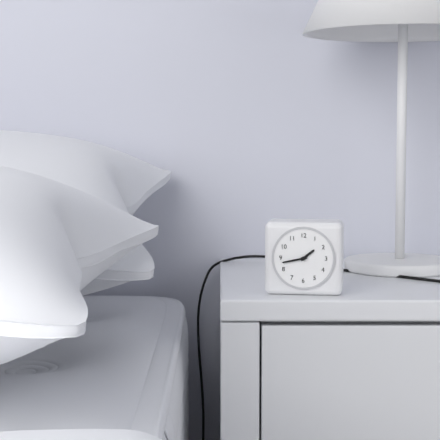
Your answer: **1:43**
